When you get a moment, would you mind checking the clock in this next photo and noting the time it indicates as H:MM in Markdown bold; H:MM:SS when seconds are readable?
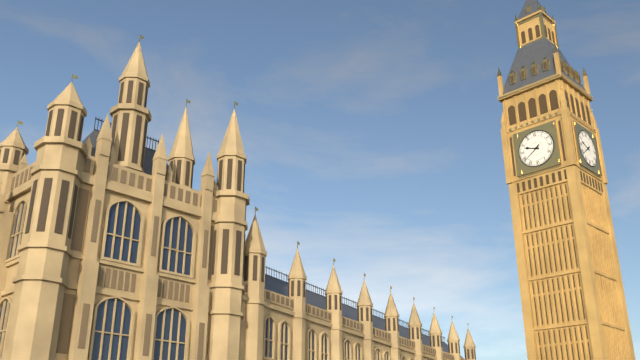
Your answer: **9:39**
